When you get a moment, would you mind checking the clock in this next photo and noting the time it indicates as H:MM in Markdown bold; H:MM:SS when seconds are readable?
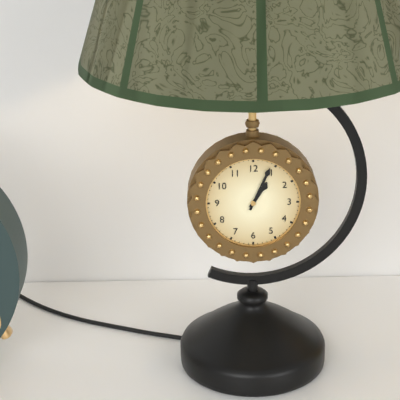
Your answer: **1:04**
